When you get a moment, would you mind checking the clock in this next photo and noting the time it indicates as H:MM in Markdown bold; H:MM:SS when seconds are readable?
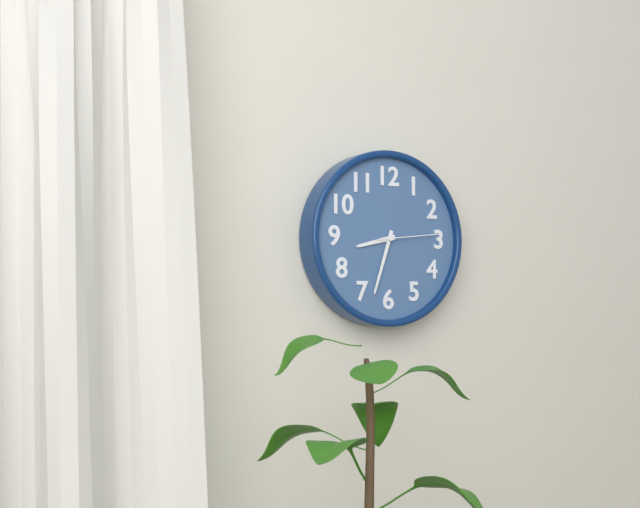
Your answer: **8:33:14**
